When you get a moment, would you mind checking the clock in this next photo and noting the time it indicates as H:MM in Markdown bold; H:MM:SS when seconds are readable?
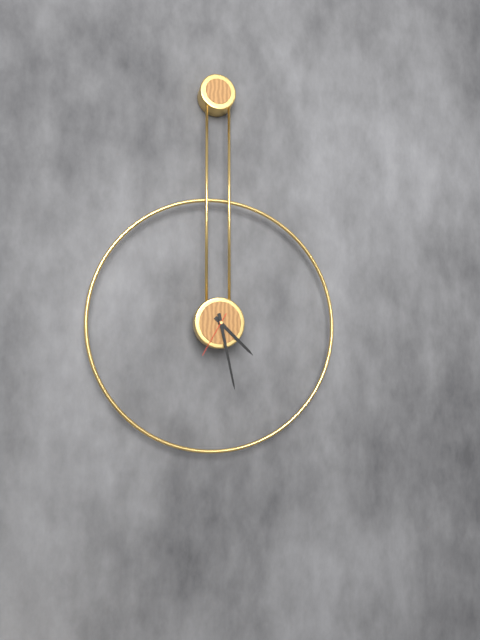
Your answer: **4:28**
